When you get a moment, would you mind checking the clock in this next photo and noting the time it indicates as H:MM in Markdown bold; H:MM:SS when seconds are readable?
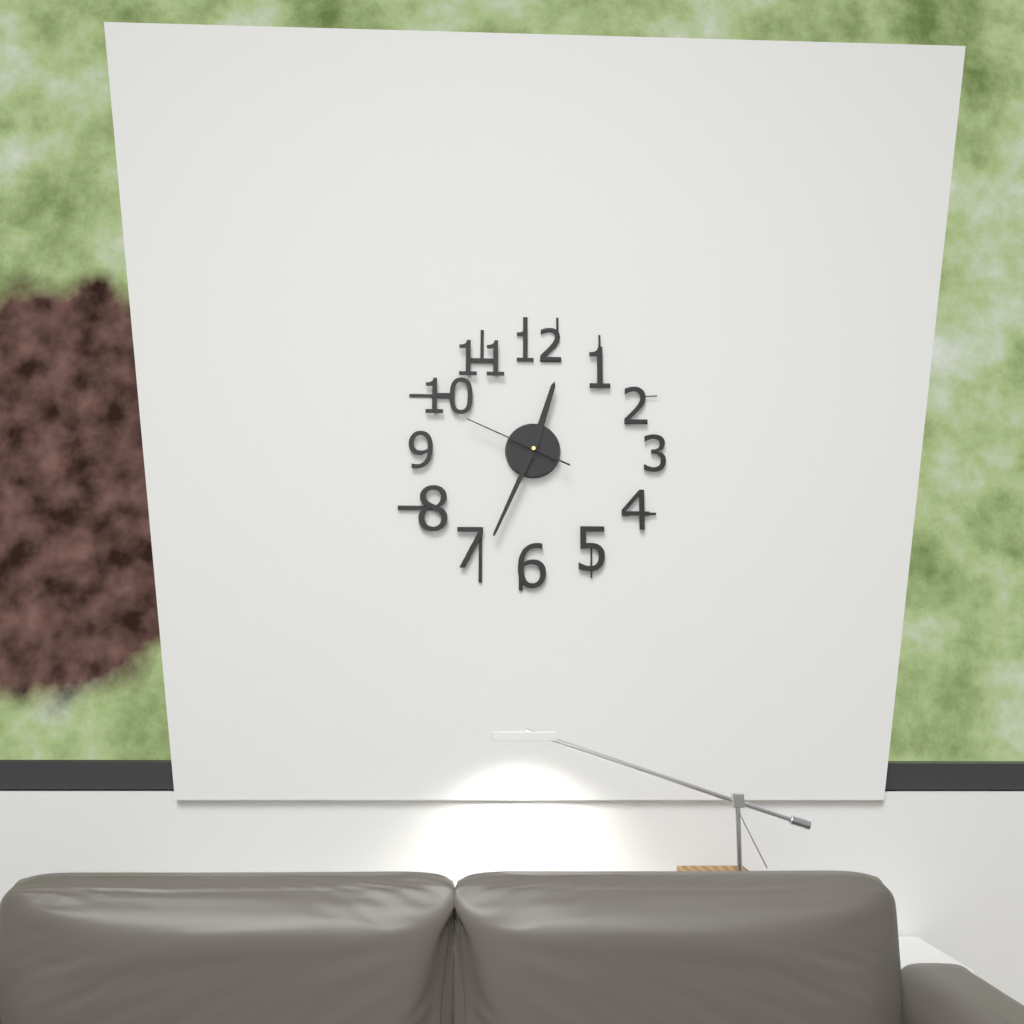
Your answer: **12:34:49**
